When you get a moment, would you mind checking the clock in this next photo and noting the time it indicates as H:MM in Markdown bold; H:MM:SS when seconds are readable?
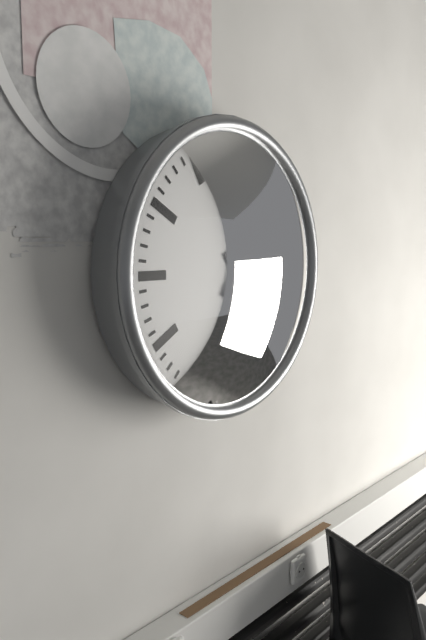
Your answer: **5:05**
